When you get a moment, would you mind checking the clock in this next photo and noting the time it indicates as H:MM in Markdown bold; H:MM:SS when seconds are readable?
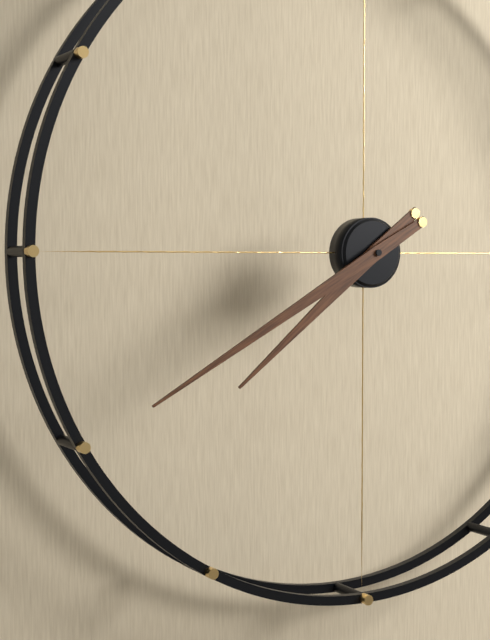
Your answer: **7:40**
